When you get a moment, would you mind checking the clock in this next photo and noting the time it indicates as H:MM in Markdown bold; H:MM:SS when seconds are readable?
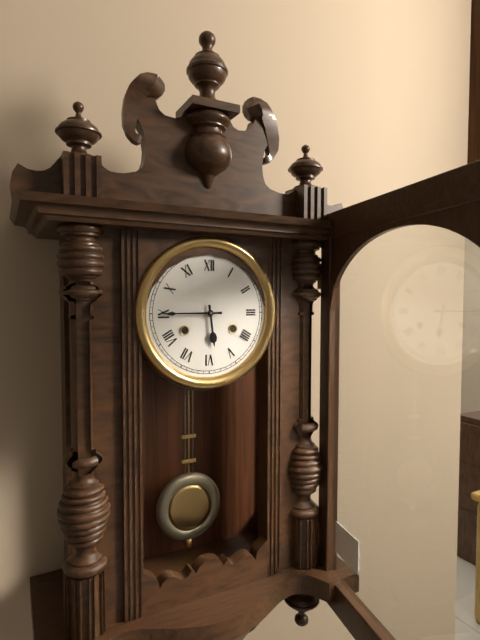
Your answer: **5:45**
